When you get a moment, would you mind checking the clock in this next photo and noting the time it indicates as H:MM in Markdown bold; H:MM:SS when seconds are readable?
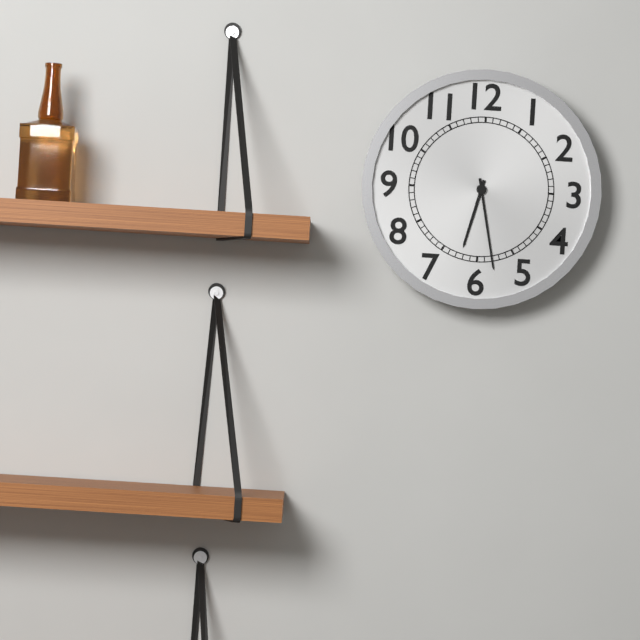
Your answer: **6:28**
